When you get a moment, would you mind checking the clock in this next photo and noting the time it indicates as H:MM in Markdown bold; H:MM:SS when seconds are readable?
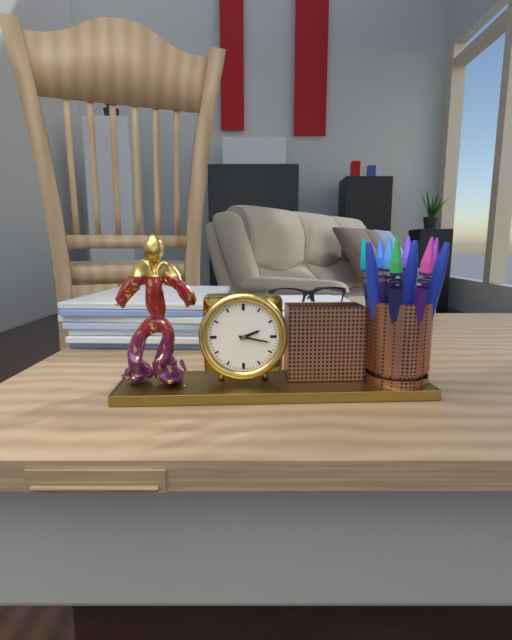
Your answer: **2:17**
